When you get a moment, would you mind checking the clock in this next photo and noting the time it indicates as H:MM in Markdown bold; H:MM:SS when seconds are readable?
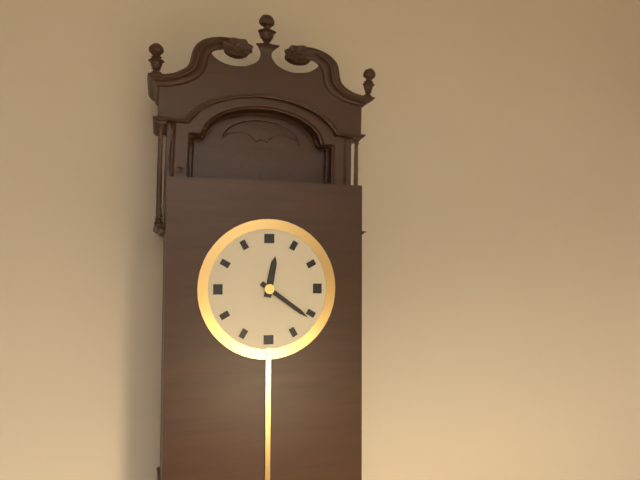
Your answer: **12:21**
